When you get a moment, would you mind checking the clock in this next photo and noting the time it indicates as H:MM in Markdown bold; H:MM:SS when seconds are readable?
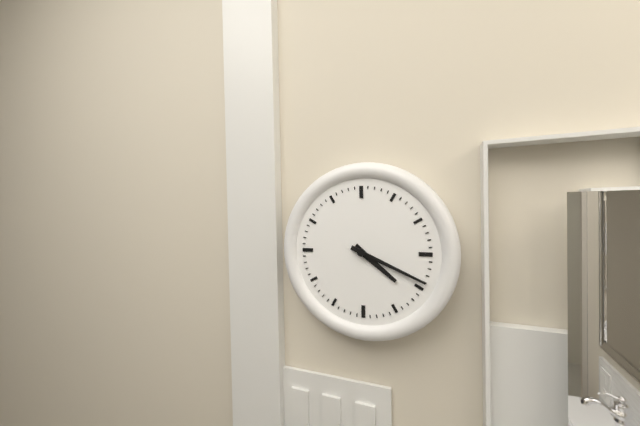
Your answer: **4:19**
